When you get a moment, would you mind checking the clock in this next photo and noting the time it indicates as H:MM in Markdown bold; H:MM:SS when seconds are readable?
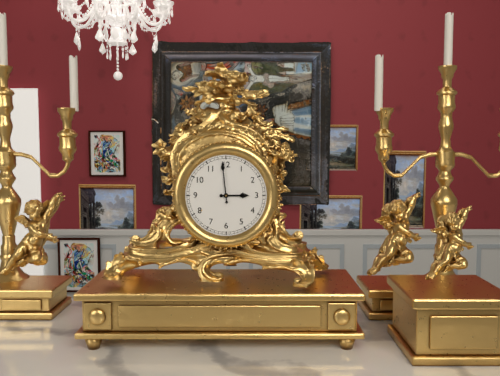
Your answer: **2:59**
